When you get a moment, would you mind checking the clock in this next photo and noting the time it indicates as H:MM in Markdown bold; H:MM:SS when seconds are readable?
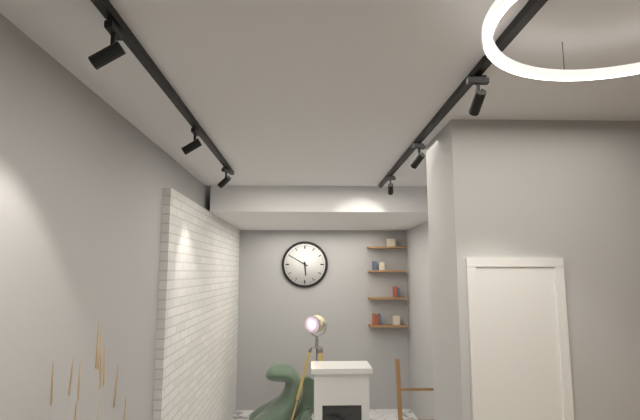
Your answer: **5:50**
